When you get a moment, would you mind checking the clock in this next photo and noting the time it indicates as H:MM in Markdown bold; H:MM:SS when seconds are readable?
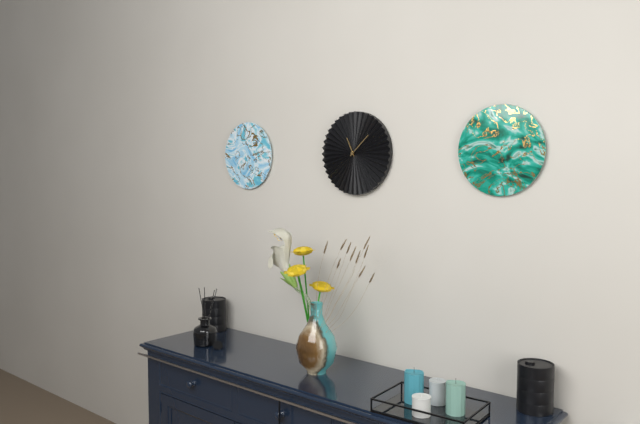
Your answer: **11:08**
